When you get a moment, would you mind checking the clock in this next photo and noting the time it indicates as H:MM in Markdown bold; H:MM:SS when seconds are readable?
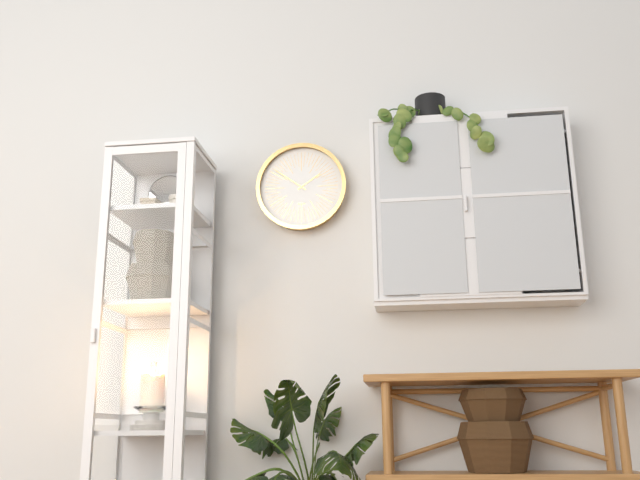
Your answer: **1:51**
